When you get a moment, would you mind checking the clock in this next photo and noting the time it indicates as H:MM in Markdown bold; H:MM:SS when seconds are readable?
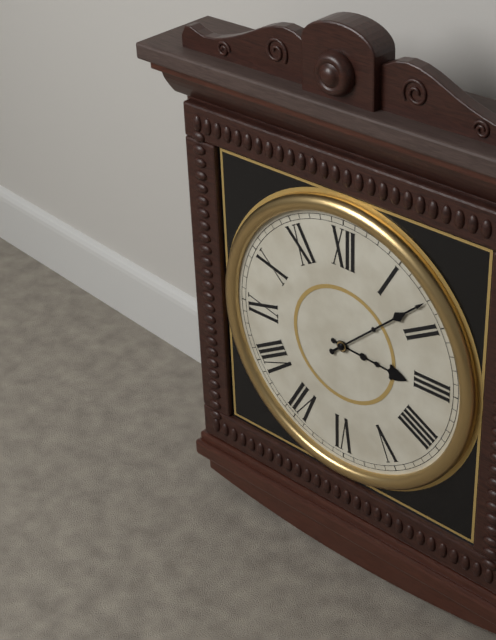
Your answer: **3:08**
